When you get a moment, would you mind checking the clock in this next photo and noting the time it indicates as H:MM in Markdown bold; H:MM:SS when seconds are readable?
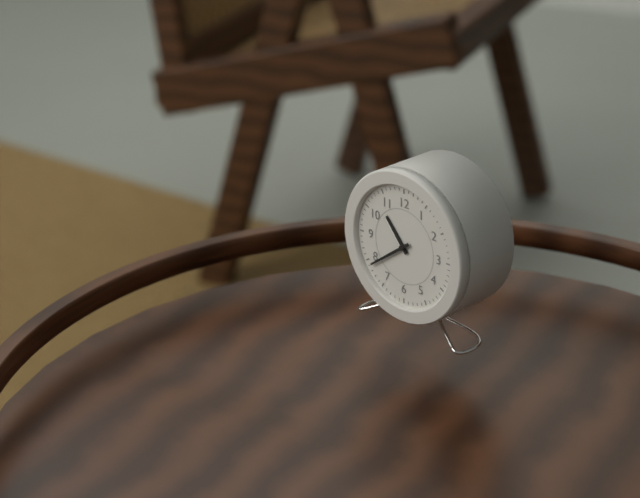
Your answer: **10:39**
